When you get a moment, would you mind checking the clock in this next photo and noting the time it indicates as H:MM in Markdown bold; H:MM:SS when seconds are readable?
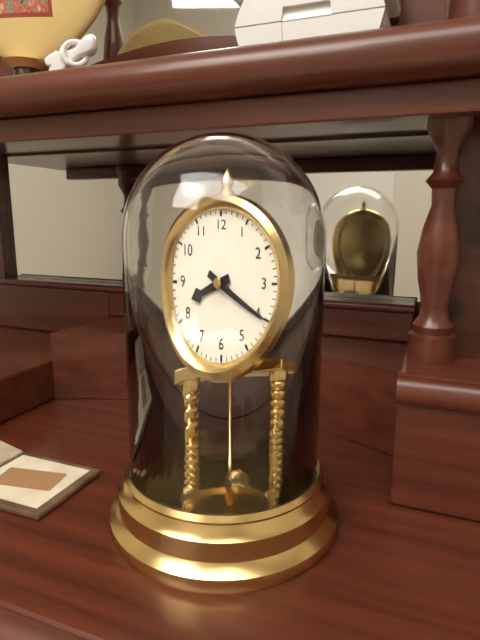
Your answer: **8:20**
